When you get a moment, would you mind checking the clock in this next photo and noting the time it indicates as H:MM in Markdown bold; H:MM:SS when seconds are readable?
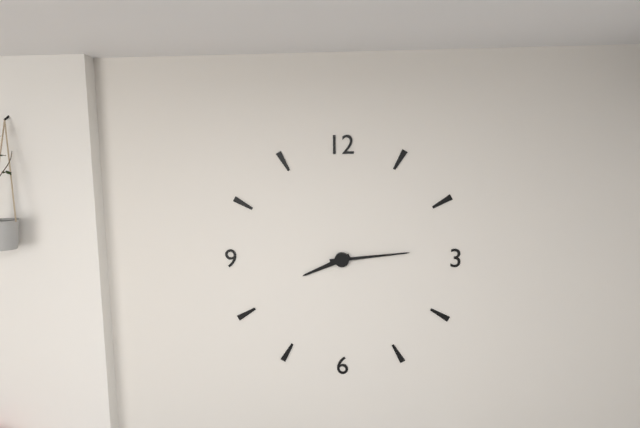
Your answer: **8:14**
